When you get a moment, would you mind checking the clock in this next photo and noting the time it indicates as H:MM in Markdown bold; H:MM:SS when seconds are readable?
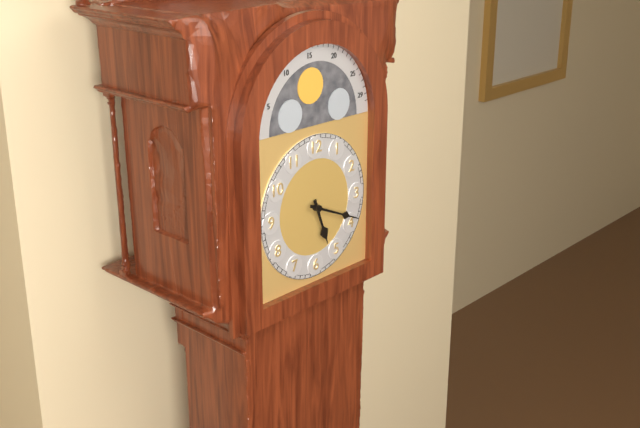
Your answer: **5:19**
